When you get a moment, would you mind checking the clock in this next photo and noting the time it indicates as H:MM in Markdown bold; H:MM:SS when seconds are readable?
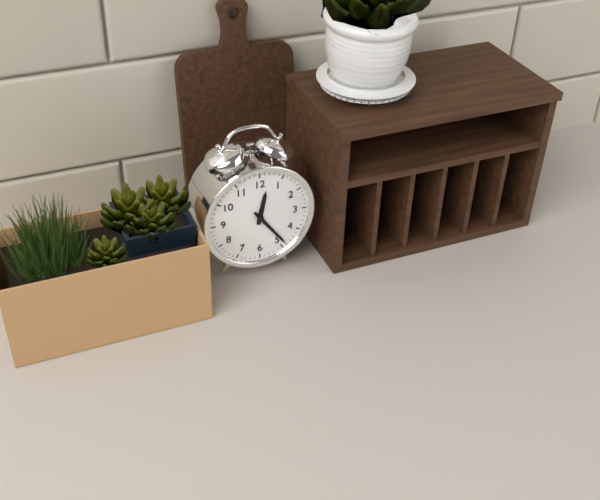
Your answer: **12:24**
